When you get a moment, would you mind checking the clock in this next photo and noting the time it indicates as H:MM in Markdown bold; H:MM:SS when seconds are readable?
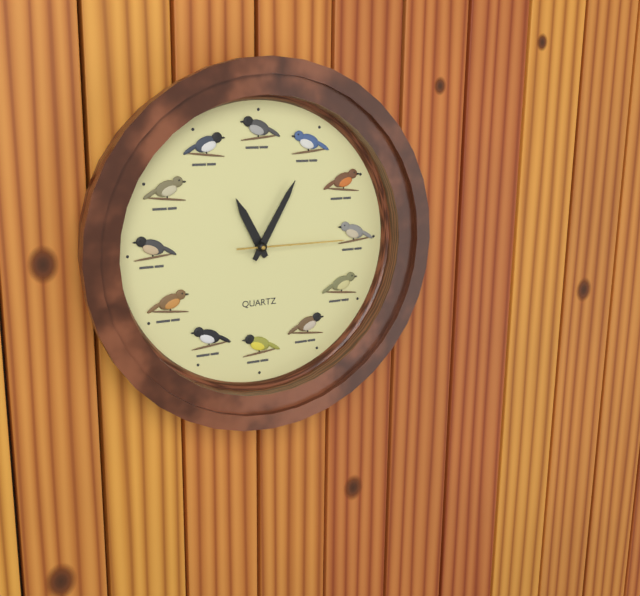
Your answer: **11:05:15**
